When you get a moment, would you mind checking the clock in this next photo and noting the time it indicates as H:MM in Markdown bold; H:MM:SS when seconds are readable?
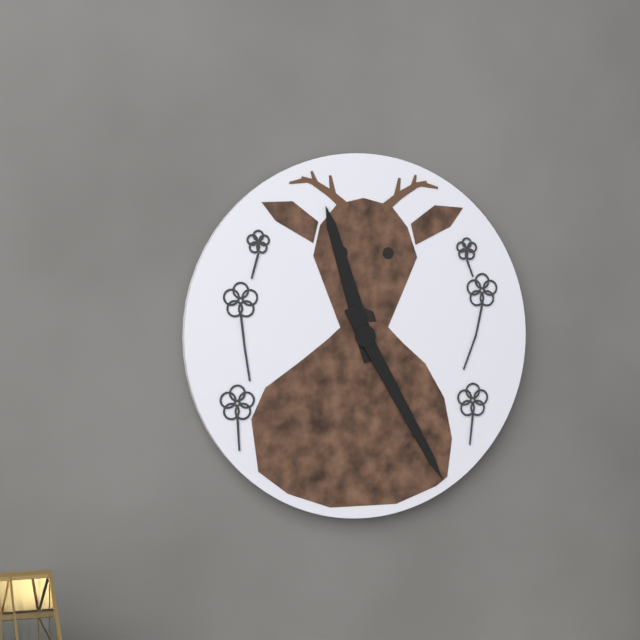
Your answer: **11:25**
